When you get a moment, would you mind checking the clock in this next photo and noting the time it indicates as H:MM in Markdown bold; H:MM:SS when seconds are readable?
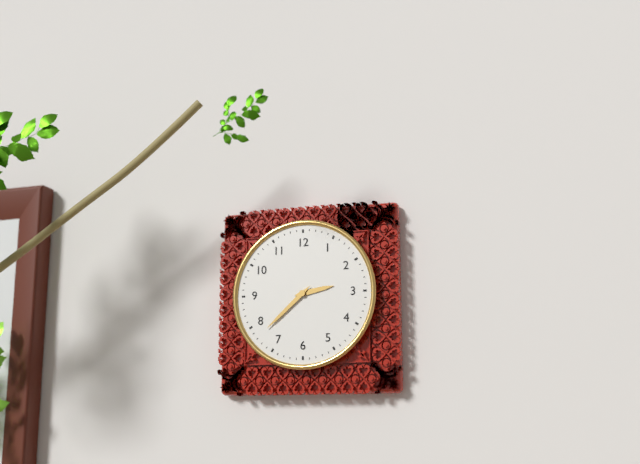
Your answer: **2:38**
